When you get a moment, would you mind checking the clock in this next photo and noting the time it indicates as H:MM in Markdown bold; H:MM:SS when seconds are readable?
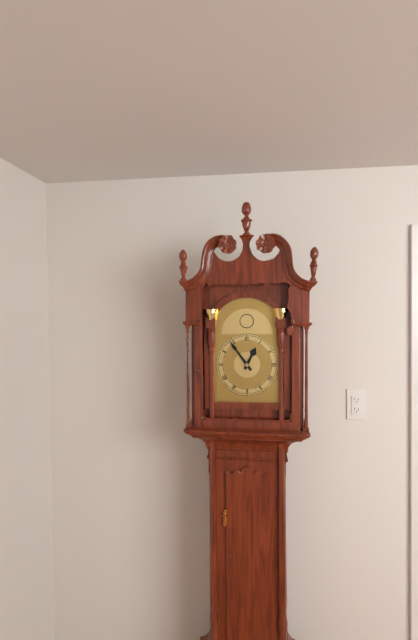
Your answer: **12:54**
